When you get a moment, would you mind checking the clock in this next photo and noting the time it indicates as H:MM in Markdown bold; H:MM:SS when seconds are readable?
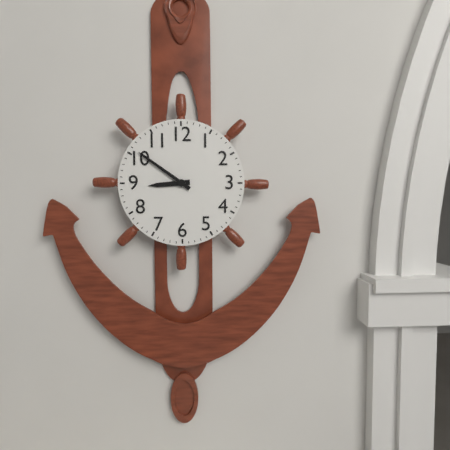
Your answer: **8:51**
